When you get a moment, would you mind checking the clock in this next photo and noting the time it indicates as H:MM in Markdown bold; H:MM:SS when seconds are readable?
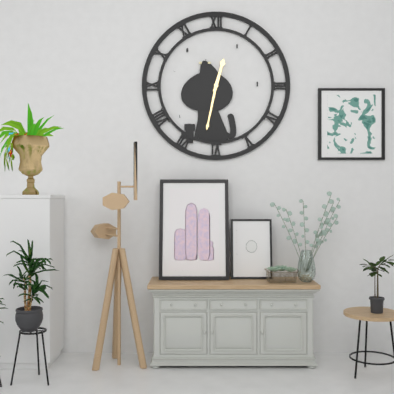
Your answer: **12:32**
